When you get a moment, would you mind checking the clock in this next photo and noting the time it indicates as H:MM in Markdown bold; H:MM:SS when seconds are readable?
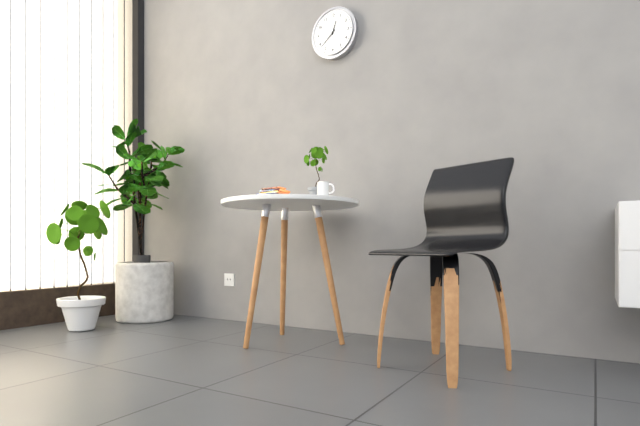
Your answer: **12:38**
